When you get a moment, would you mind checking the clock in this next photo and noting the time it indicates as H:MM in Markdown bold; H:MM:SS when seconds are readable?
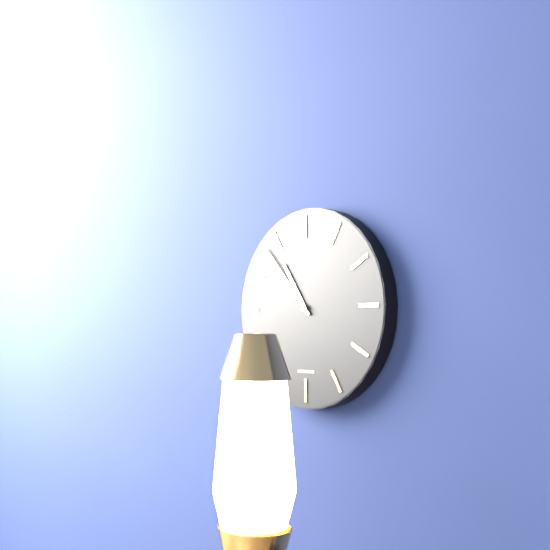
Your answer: **10:53**
